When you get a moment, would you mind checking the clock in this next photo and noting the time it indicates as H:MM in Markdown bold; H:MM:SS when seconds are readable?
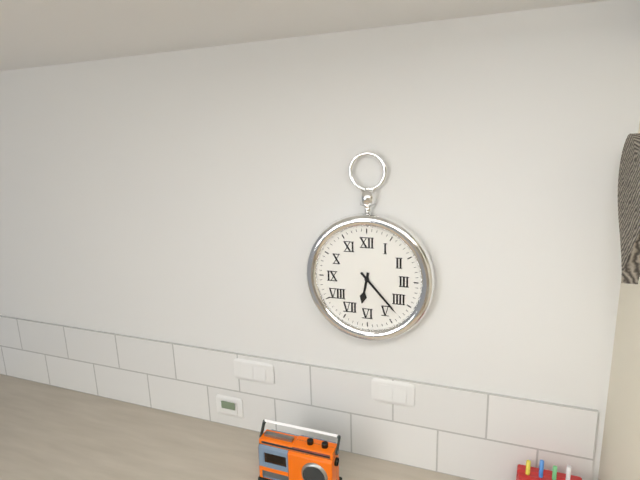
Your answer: **6:23**
